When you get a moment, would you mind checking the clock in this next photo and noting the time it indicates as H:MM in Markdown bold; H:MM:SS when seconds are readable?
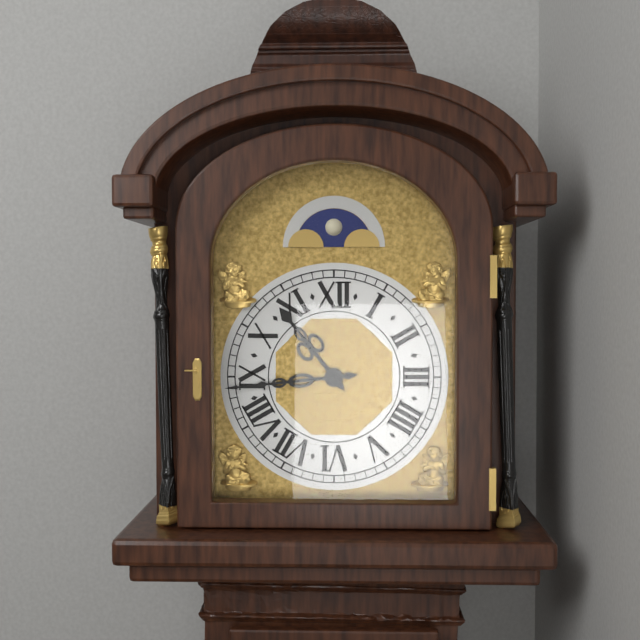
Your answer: **10:44**
